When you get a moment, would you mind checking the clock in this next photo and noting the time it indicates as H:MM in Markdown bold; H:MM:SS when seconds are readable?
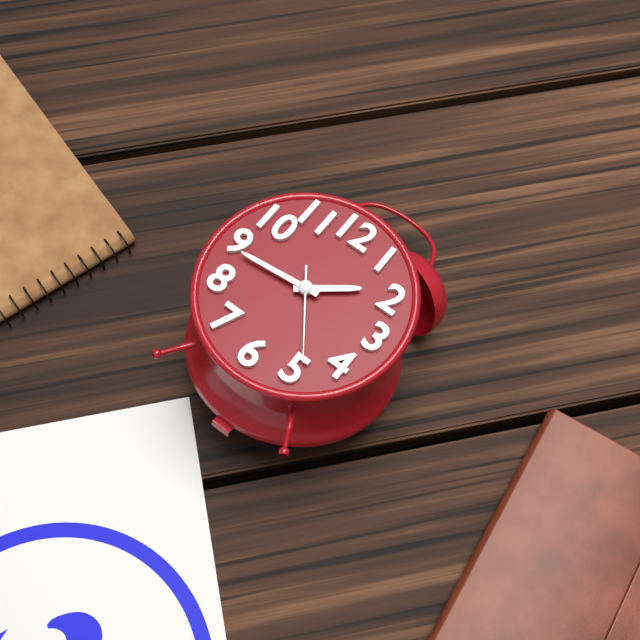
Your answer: **1:44:24**
